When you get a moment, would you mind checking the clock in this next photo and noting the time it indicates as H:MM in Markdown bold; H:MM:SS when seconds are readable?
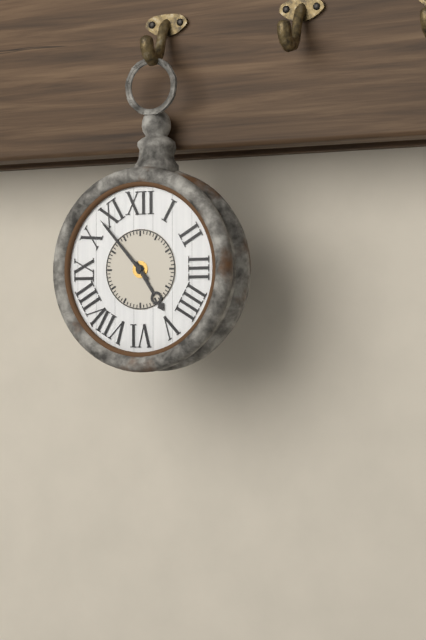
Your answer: **4:53**
